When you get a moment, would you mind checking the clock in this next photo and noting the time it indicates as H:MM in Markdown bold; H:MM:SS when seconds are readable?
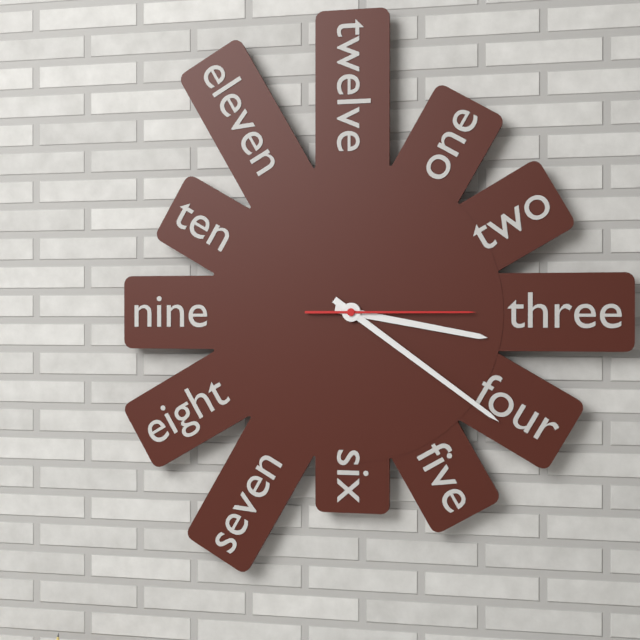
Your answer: **3:21:15**
